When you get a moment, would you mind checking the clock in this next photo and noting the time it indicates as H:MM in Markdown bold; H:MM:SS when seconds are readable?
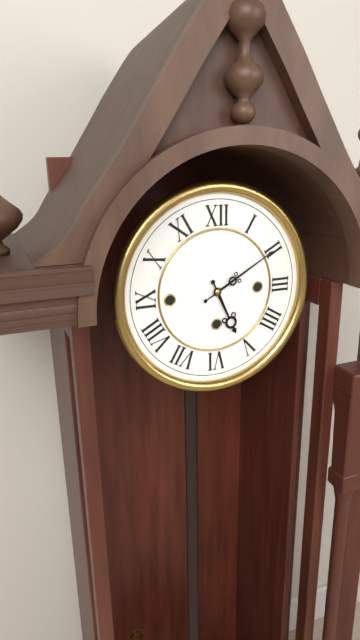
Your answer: **5:10**
